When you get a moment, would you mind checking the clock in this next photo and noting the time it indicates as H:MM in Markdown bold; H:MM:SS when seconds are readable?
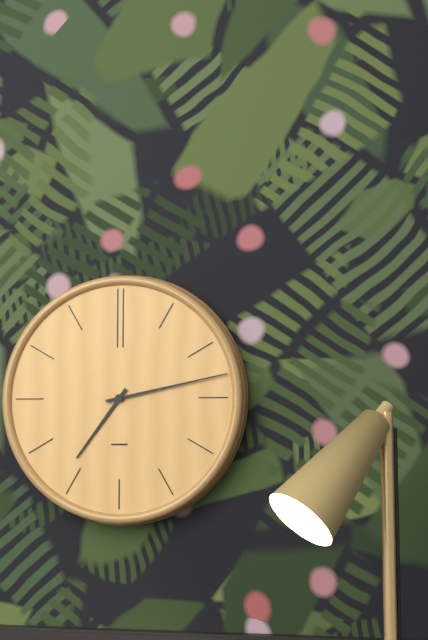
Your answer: **7:13**
